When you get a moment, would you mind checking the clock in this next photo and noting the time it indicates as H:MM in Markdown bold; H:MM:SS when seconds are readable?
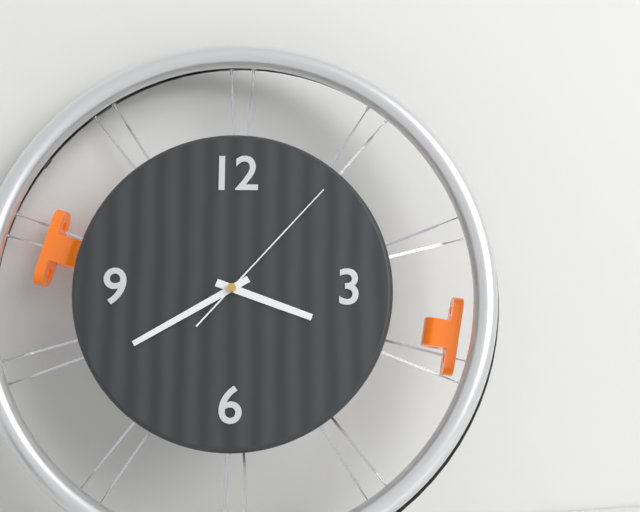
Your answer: **3:40:07**
